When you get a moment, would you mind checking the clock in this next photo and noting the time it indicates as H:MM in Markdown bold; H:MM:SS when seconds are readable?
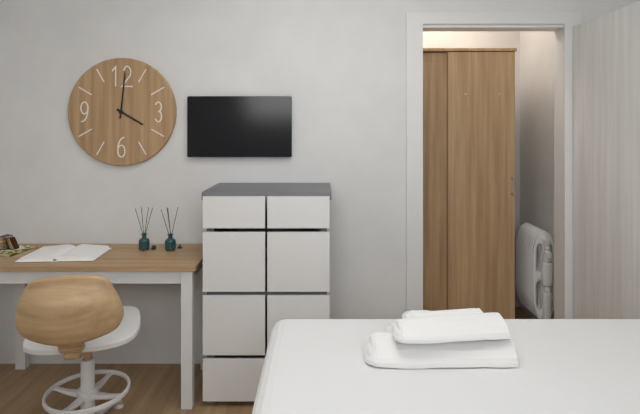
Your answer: **4:01**
